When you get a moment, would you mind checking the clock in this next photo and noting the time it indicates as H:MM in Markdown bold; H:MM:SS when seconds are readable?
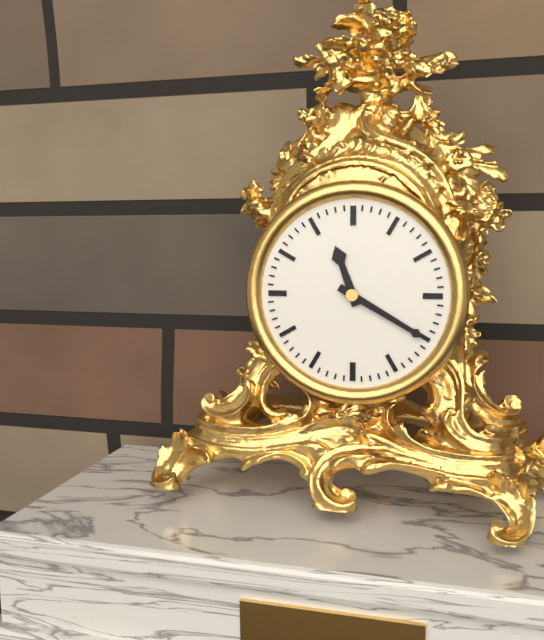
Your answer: **11:20**
